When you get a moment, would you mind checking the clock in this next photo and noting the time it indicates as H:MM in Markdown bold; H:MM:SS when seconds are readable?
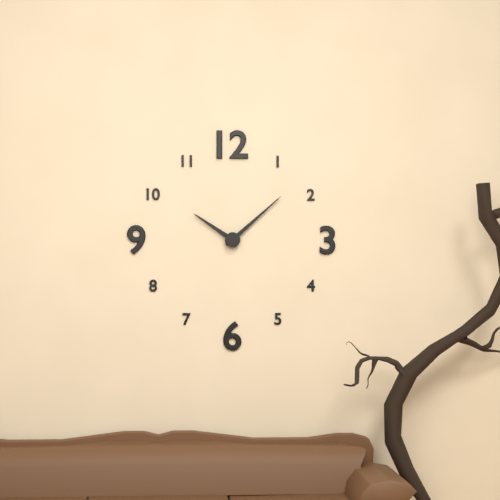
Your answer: **10:08**
